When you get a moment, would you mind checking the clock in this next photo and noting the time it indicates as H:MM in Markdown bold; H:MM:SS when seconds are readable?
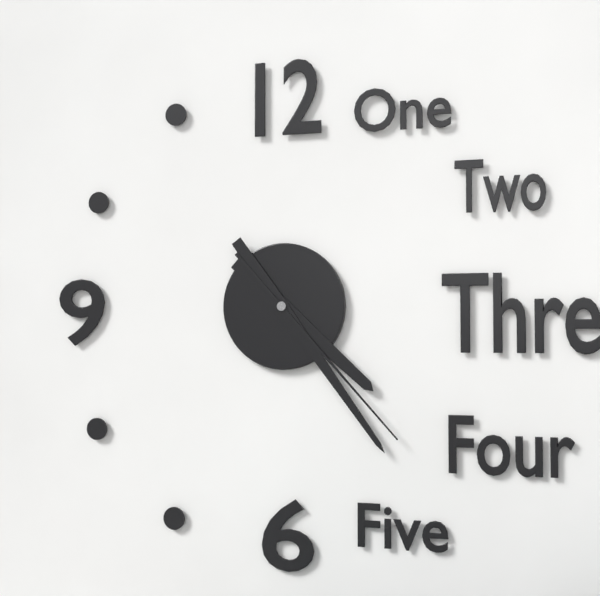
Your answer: **4:24:23**
